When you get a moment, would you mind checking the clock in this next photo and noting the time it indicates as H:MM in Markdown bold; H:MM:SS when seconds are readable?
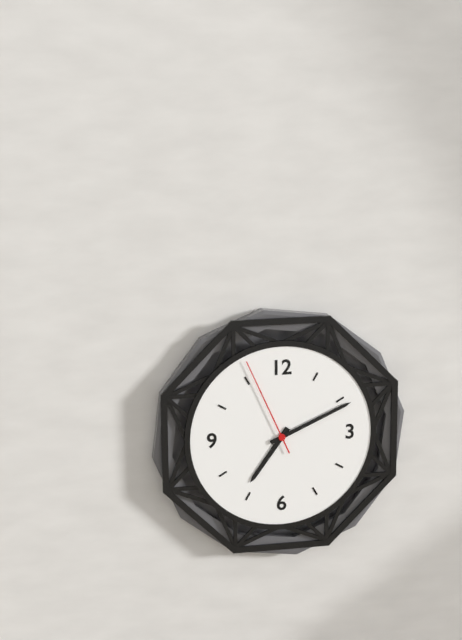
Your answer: **7:11:56**
